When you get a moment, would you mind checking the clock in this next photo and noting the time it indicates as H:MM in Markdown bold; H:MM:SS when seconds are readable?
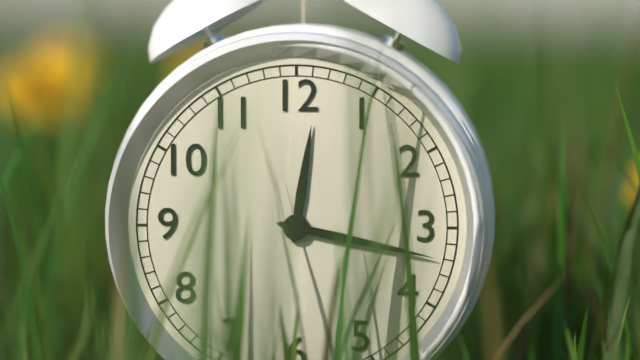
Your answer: **12:17**
